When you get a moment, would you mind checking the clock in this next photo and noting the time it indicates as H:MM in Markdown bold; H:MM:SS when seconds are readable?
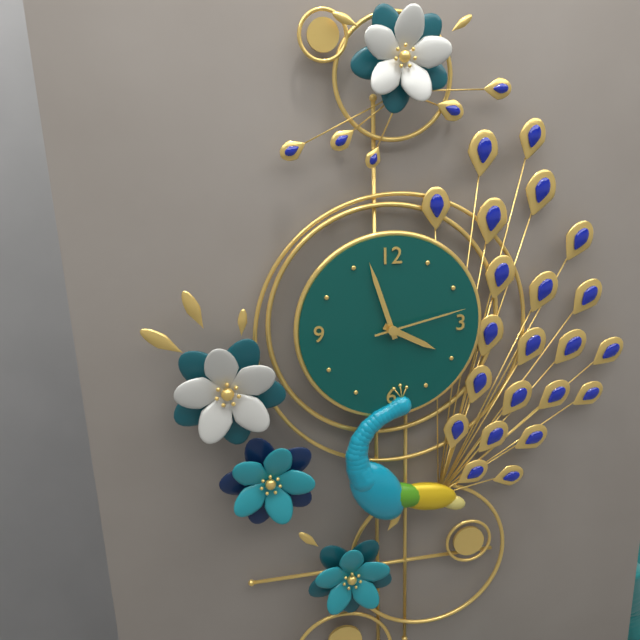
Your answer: **3:57:13**
